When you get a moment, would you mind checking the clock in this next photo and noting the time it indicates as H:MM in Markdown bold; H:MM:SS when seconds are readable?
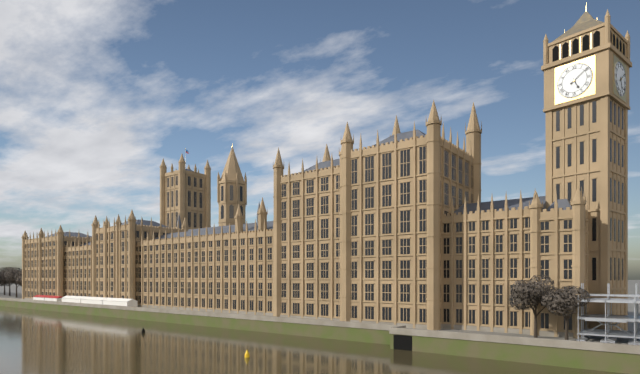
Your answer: **5:09**
